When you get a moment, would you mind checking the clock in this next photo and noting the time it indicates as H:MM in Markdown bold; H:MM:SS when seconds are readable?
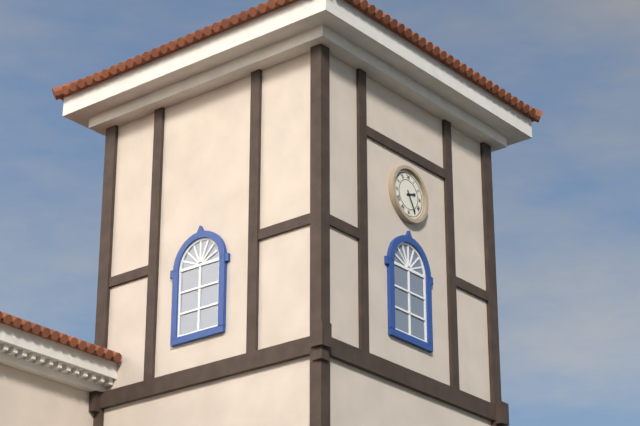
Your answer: **2:25**
